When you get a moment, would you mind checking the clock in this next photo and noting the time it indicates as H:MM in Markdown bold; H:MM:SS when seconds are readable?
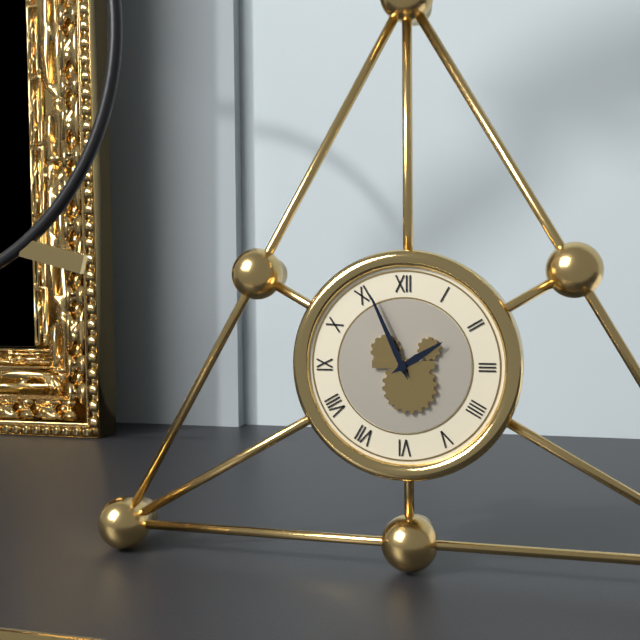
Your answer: **1:56**
